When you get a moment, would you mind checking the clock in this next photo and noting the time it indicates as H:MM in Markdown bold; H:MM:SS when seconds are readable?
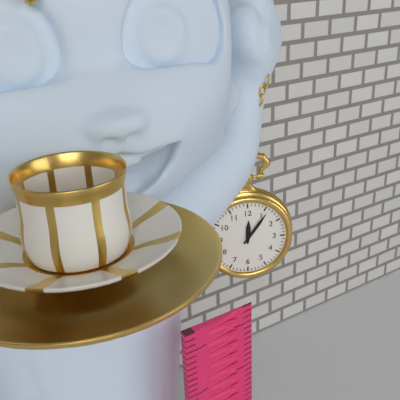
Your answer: **12:06**
